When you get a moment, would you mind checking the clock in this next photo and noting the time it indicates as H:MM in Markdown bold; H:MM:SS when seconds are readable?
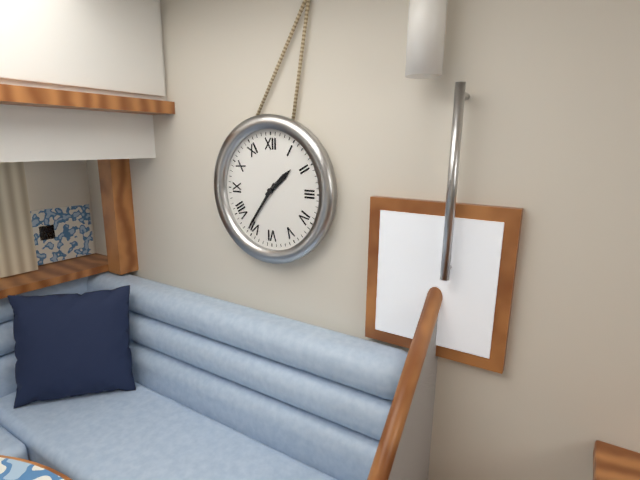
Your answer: **1:36**
